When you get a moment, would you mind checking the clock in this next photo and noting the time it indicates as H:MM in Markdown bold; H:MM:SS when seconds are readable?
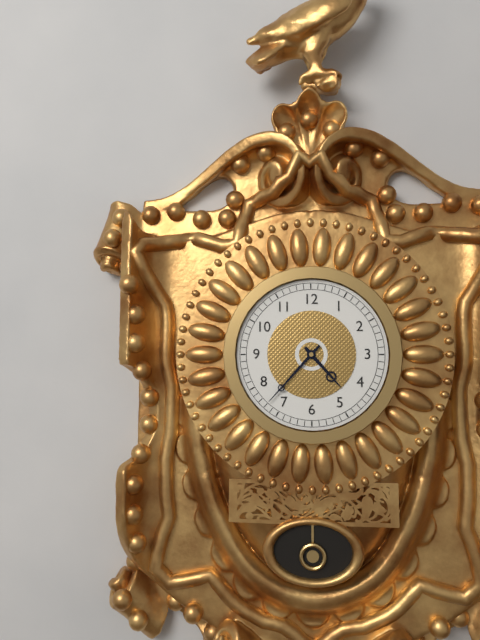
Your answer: **4:37**
